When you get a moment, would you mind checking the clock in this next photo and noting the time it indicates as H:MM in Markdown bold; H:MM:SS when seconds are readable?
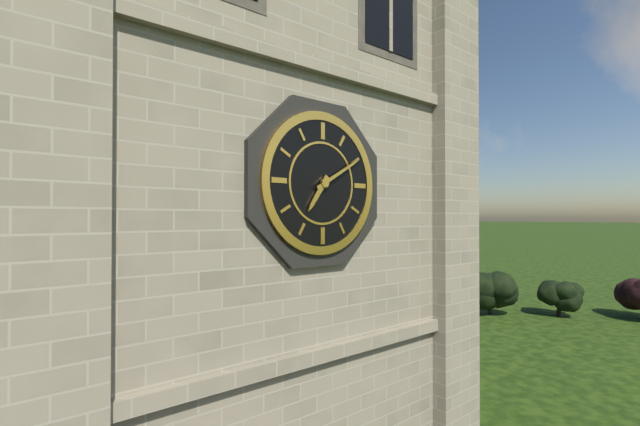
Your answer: **7:10**
